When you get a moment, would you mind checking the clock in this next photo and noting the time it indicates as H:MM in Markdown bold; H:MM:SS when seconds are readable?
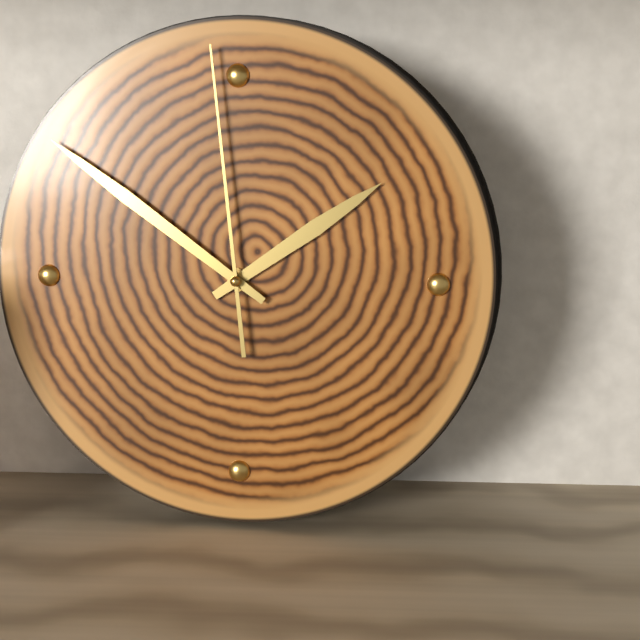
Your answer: **1:51:59**
